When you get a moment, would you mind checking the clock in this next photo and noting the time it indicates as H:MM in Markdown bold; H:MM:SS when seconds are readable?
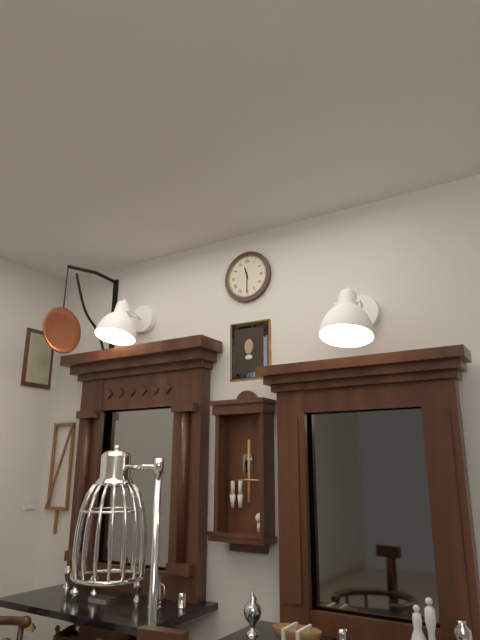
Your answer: **11:30**
